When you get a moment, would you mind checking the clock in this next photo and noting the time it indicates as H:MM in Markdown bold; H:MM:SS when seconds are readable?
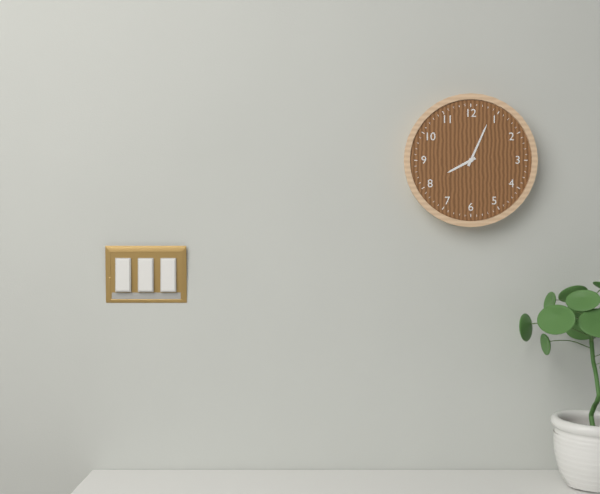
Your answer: **8:04**
